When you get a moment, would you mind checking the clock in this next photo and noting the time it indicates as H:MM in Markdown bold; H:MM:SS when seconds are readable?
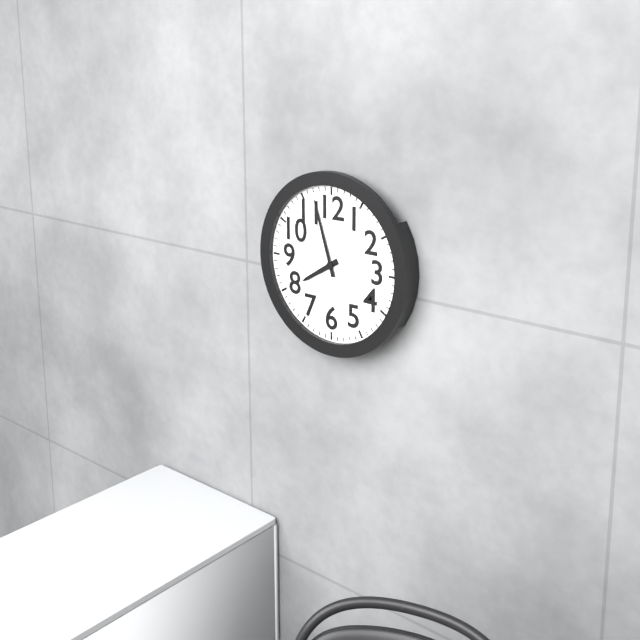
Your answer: **7:57**
